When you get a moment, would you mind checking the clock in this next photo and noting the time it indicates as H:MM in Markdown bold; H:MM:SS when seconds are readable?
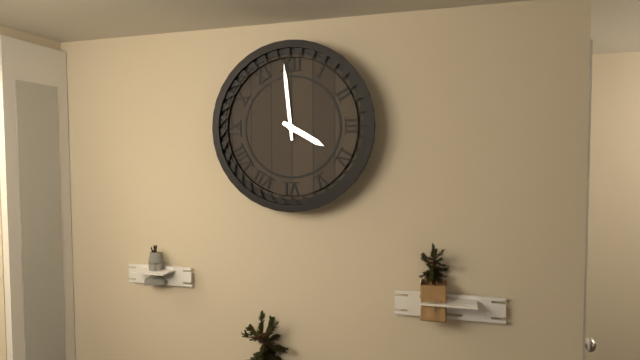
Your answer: **3:59**
